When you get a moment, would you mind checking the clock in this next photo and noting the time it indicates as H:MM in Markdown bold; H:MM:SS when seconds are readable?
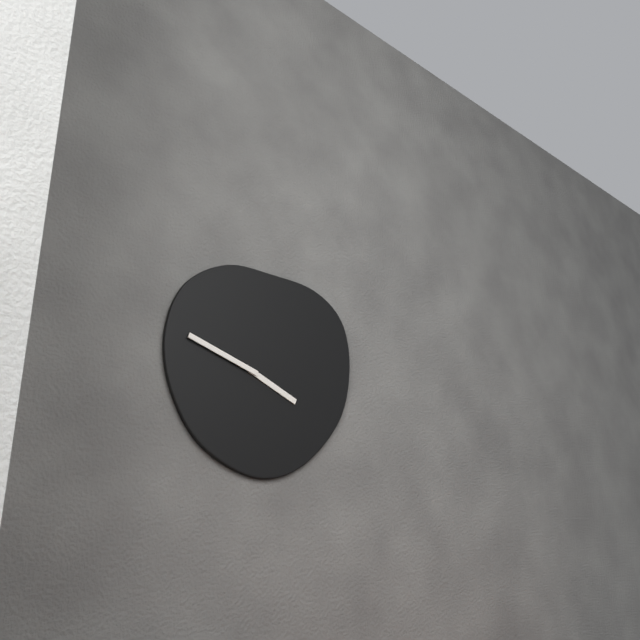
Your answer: **3:48**
